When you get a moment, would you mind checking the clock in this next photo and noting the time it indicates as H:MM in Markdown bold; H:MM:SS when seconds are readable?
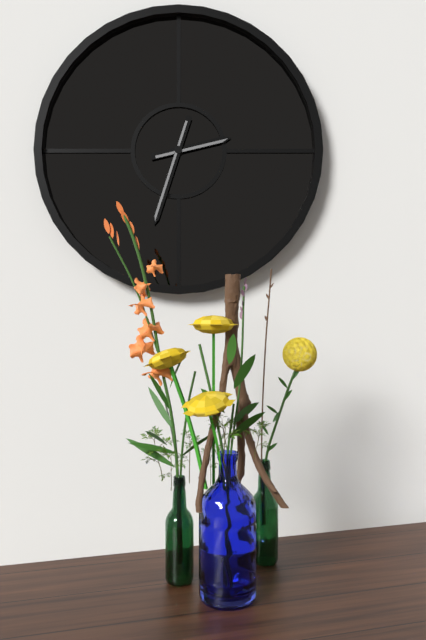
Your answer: **2:33**
